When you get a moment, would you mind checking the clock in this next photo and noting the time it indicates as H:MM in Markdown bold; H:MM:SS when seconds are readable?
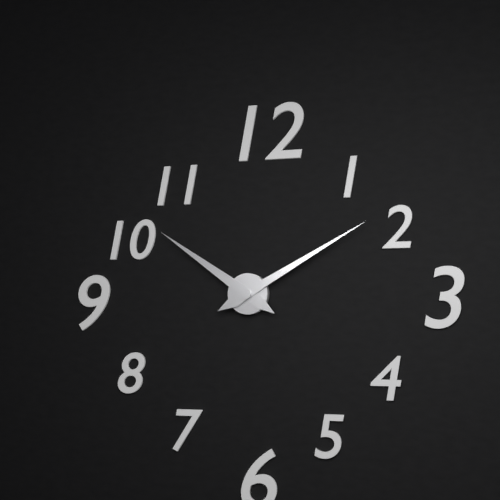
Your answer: **10:10**
